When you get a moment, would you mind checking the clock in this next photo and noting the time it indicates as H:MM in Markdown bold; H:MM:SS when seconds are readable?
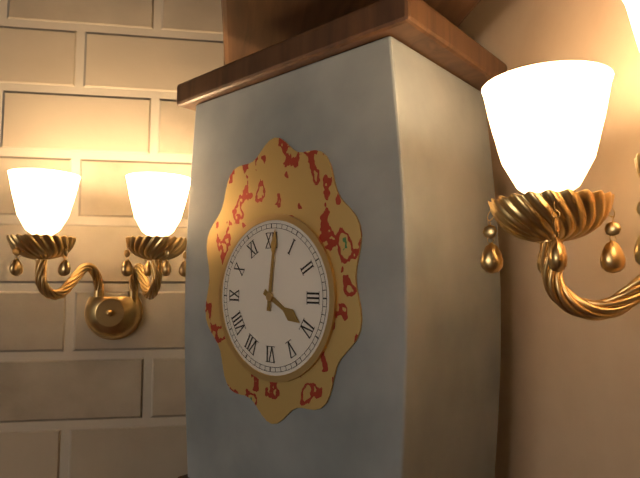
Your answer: **4:01**
